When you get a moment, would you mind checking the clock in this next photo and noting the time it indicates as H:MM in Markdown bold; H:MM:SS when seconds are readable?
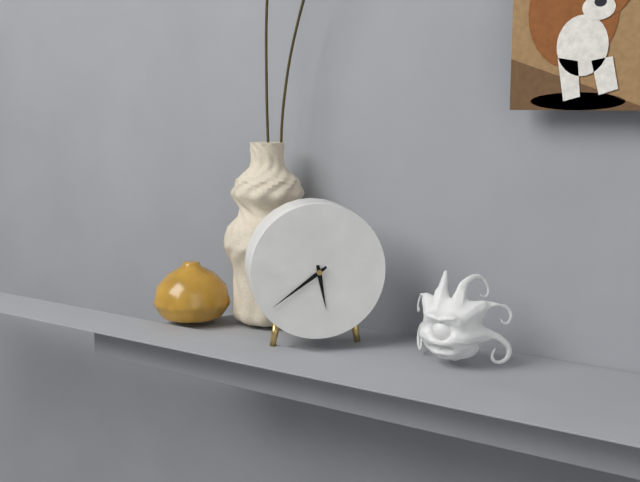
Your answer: **5:39**
